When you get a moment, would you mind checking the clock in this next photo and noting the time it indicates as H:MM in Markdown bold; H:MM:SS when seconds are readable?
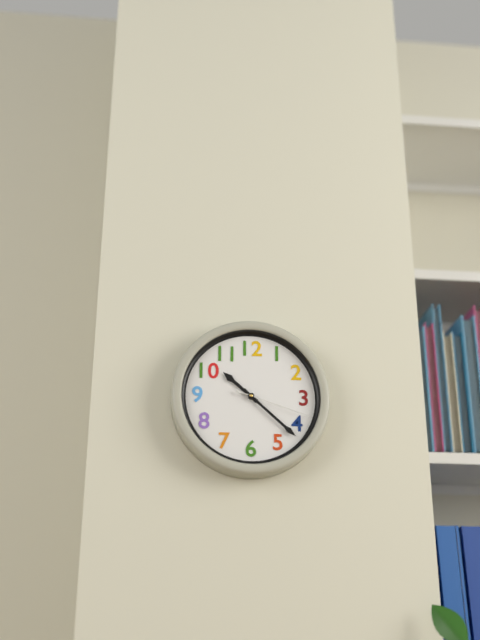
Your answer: **10:22:18**
